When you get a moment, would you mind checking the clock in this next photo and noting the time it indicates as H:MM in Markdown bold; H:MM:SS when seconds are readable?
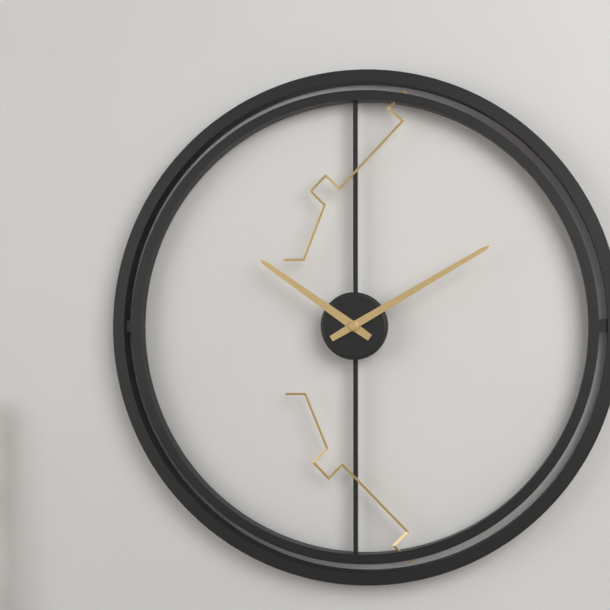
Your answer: **10:10**
